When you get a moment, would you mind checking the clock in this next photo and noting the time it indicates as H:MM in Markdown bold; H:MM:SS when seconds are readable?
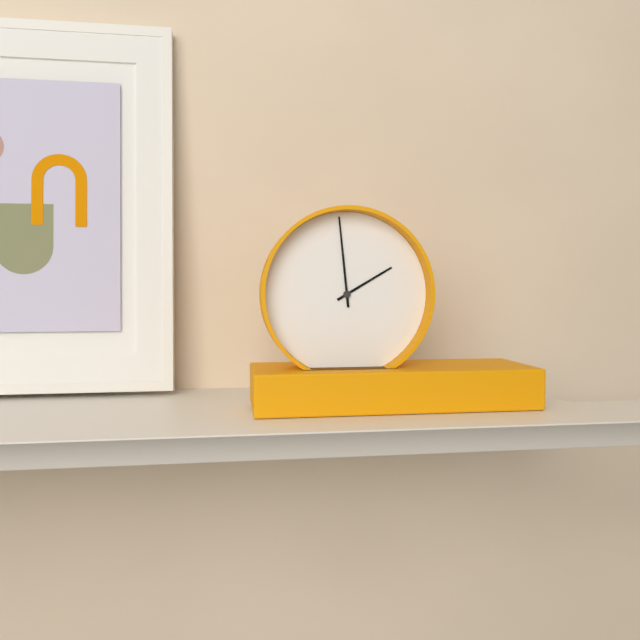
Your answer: **1:59**
